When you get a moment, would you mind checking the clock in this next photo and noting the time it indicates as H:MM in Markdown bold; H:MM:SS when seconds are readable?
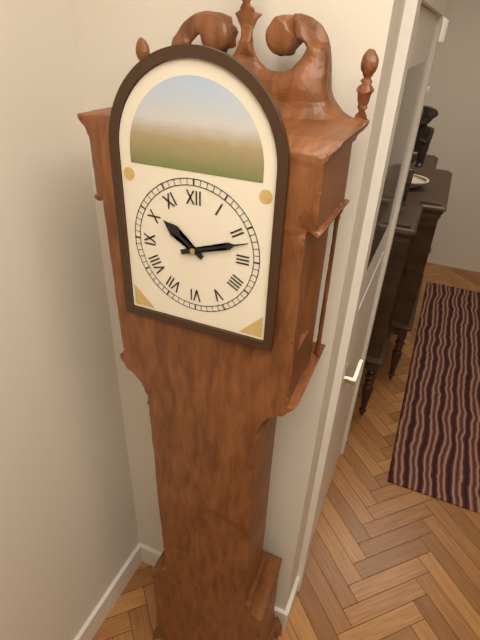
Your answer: **10:12**
